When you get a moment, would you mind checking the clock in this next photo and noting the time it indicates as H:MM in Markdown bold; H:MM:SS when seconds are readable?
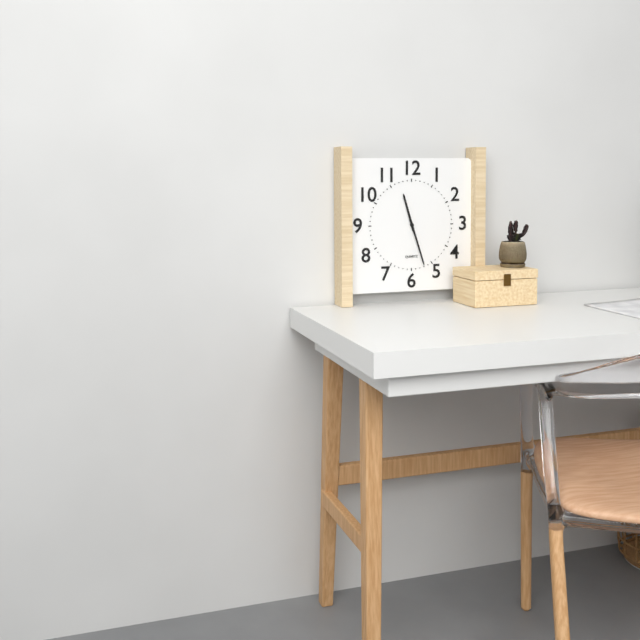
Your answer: **11:27**
